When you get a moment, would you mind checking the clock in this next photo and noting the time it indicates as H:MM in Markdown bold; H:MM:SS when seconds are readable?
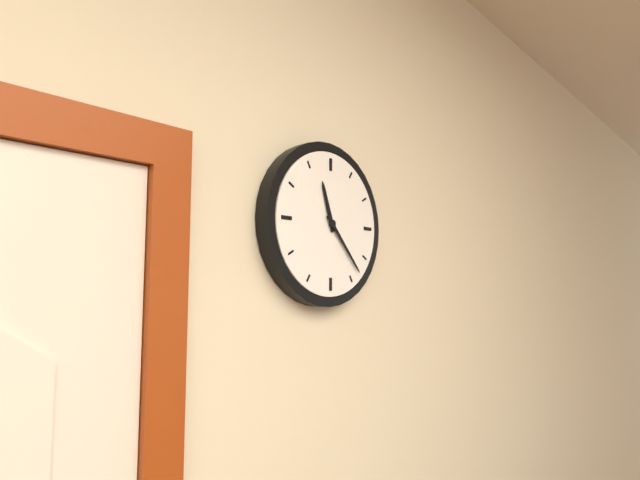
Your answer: **11:23**
